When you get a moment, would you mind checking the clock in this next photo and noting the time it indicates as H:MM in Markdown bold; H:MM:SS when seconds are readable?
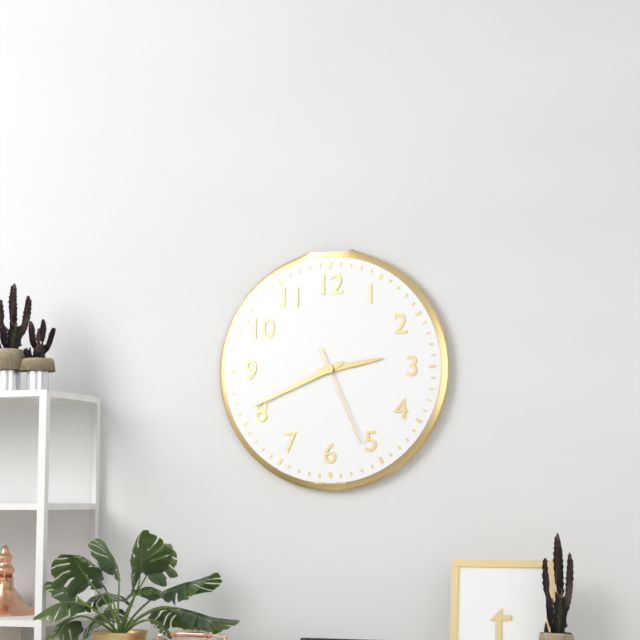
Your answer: **2:41:26**
